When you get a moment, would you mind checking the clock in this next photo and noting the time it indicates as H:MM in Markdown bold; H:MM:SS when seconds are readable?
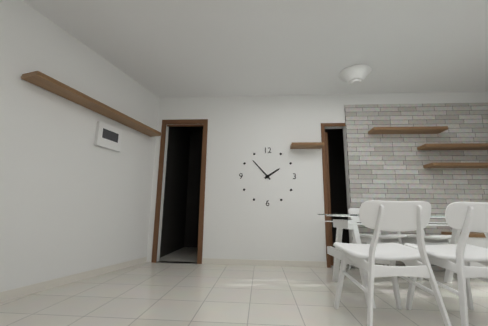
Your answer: **1:53**
